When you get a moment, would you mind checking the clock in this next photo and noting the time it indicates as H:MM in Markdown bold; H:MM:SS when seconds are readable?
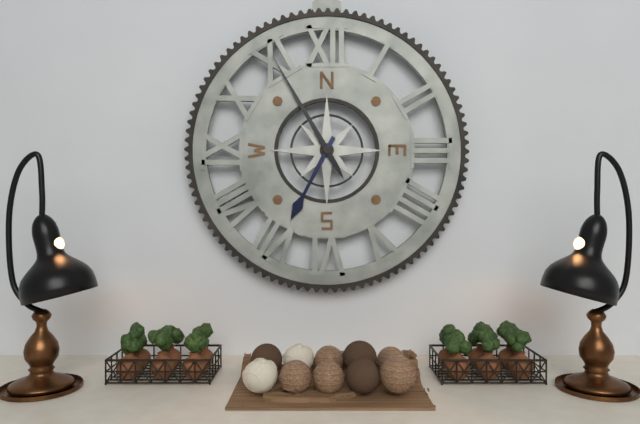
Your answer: **6:55**
